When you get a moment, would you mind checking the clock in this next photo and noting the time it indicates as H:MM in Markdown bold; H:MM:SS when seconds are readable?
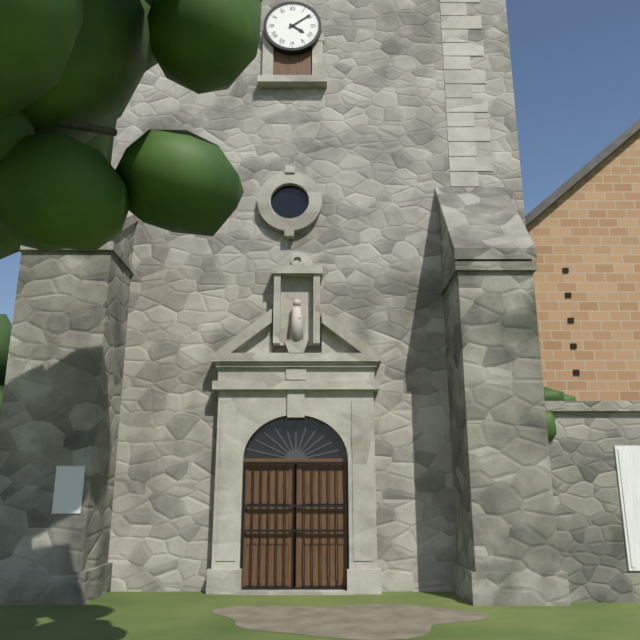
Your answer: **4:09**
